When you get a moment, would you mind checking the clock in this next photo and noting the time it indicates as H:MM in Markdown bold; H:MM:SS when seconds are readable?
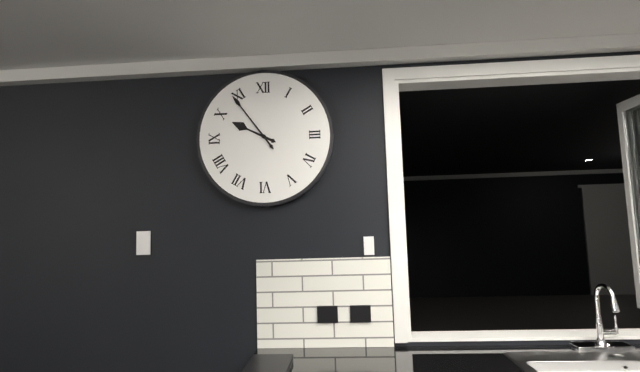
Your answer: **9:54**
